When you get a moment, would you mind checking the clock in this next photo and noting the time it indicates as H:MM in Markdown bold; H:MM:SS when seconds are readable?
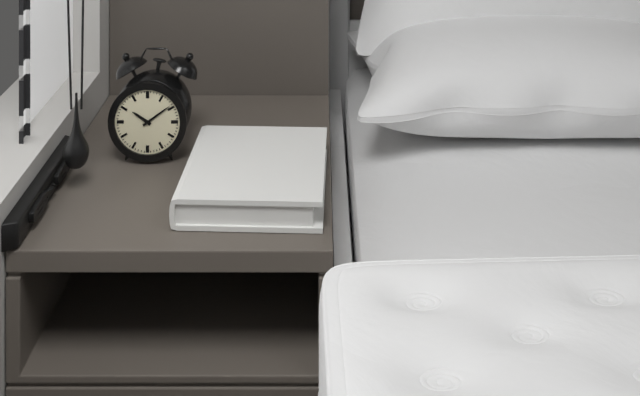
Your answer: **10:09**
